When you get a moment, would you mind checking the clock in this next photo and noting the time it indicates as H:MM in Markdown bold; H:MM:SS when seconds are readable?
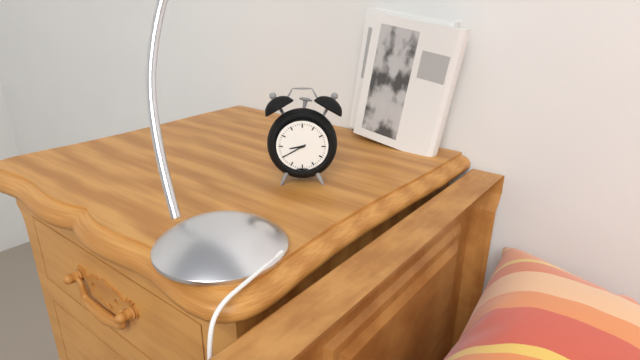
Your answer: **8:40**
